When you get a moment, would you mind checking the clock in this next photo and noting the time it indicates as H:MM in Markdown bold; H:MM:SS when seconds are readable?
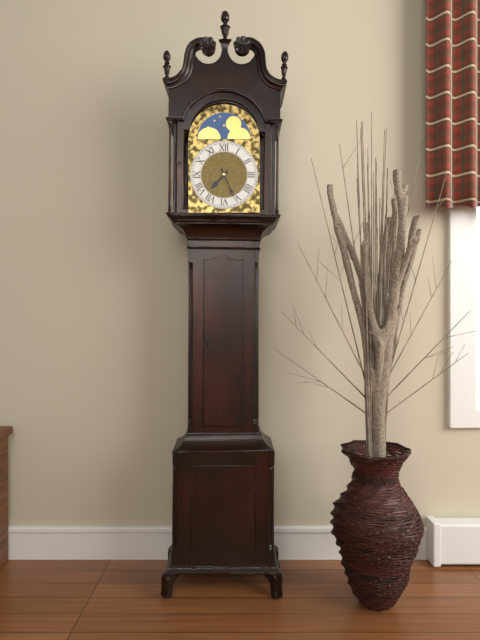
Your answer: **7:26**
